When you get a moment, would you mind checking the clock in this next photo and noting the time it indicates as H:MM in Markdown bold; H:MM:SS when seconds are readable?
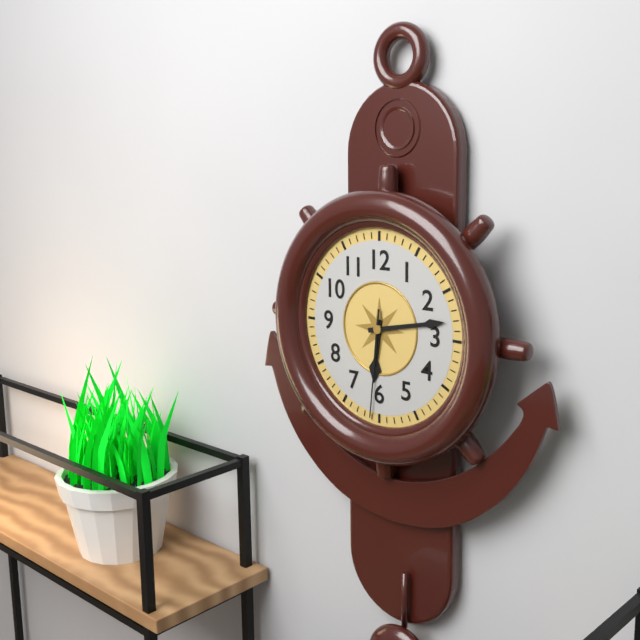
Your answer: **6:13:31**
